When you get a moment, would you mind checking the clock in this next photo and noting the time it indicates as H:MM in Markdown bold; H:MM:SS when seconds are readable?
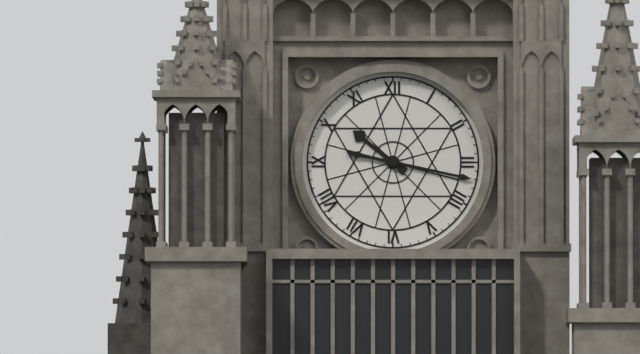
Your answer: **10:17**
